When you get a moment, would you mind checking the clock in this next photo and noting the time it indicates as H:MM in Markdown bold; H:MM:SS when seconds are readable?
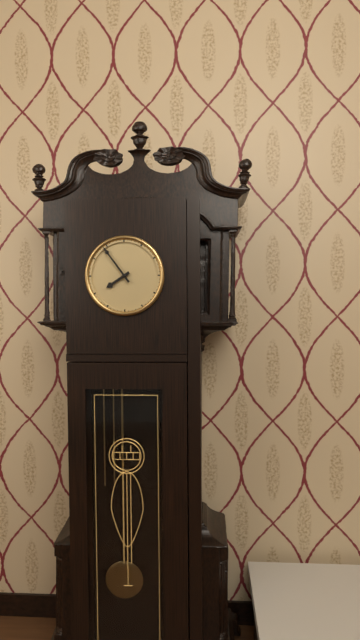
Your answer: **7:54**
